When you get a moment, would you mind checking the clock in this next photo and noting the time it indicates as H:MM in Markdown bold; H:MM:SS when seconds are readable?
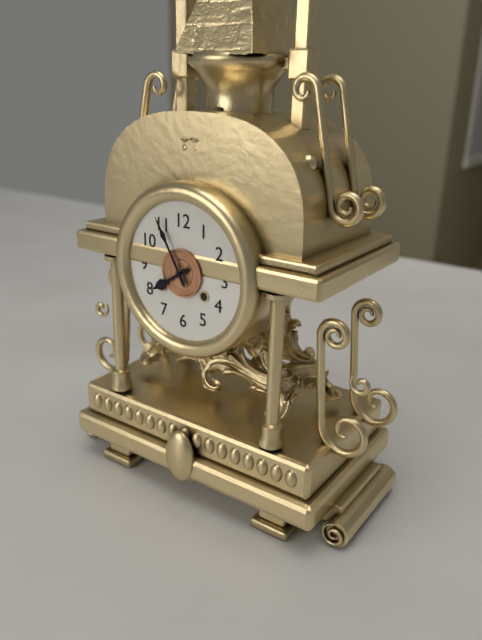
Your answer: **7:55**
